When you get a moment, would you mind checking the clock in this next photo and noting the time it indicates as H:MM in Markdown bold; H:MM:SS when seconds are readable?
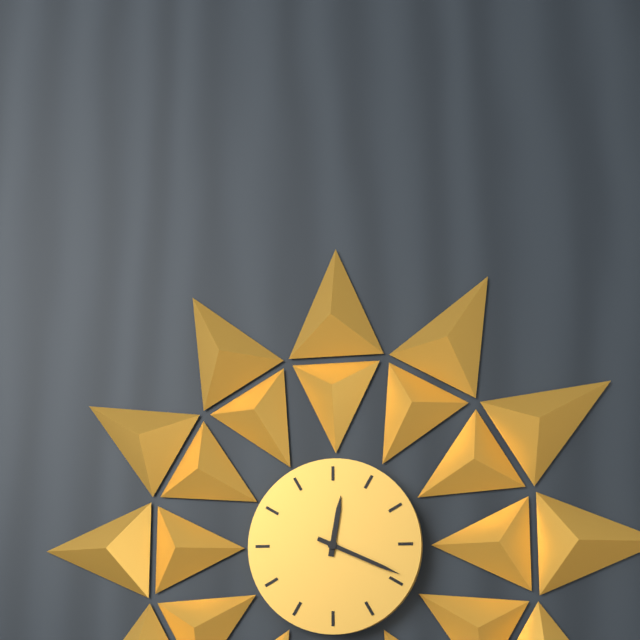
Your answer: **12:19**
